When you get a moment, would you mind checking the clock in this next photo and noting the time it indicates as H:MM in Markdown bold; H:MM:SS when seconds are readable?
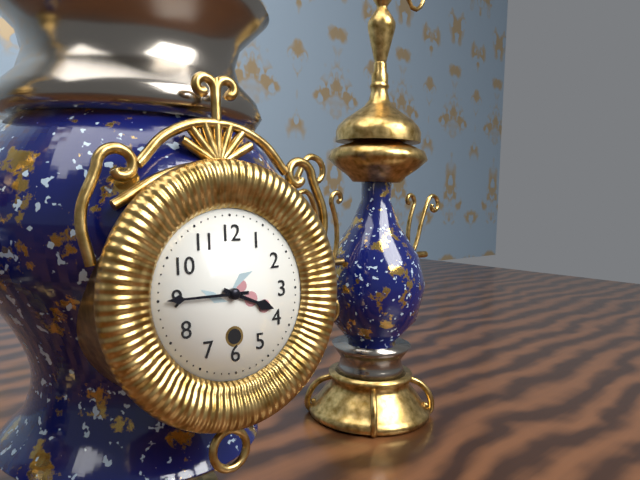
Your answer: **3:45**
